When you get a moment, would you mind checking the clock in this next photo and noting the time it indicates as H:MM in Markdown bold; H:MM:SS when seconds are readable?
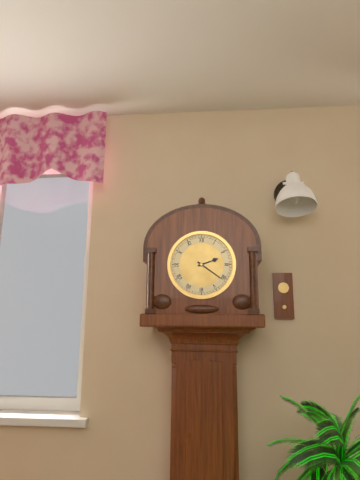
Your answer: **2:21**
